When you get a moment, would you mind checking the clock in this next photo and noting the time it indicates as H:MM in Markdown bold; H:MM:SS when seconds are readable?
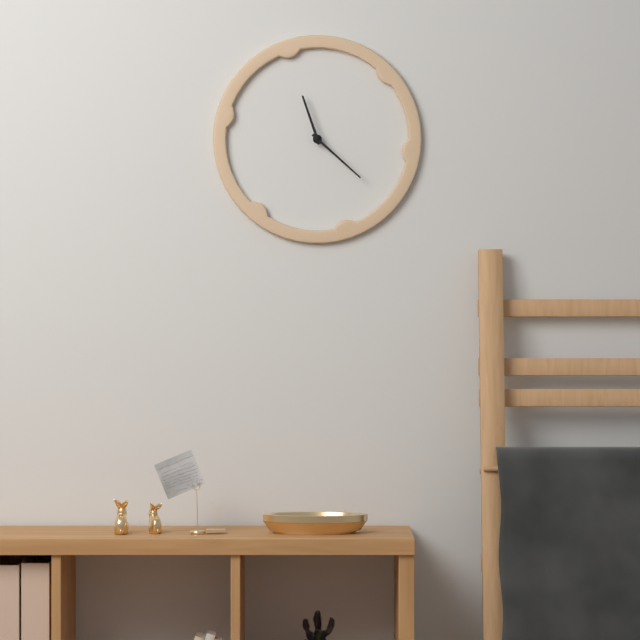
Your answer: **11:22**
